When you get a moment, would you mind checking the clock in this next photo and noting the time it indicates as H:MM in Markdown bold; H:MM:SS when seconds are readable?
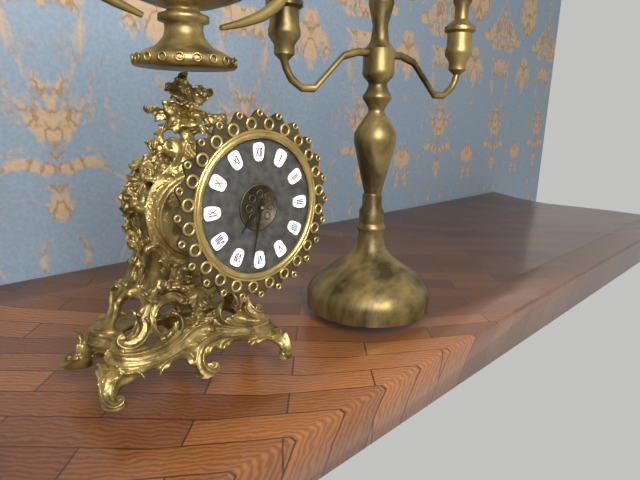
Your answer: **7:32**
